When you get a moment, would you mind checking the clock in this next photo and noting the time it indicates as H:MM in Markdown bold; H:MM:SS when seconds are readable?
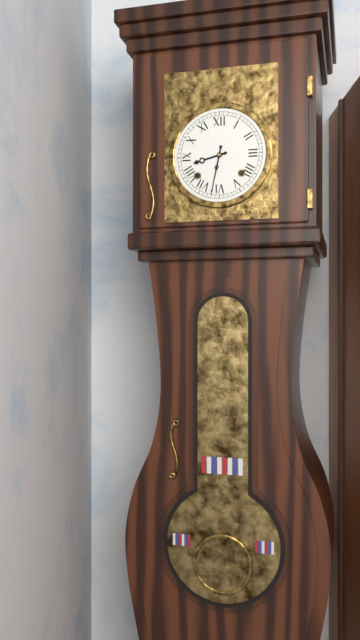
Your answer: **8:32**
